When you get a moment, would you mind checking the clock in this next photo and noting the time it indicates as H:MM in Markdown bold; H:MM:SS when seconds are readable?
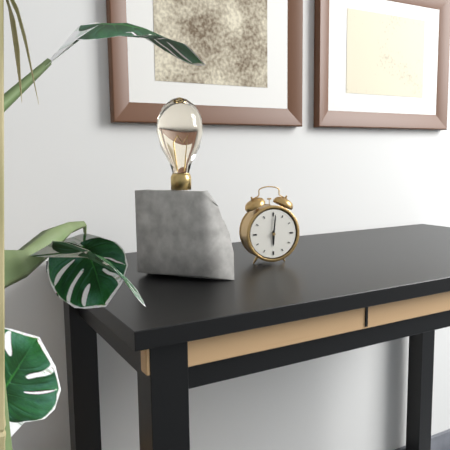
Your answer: **6:01**
